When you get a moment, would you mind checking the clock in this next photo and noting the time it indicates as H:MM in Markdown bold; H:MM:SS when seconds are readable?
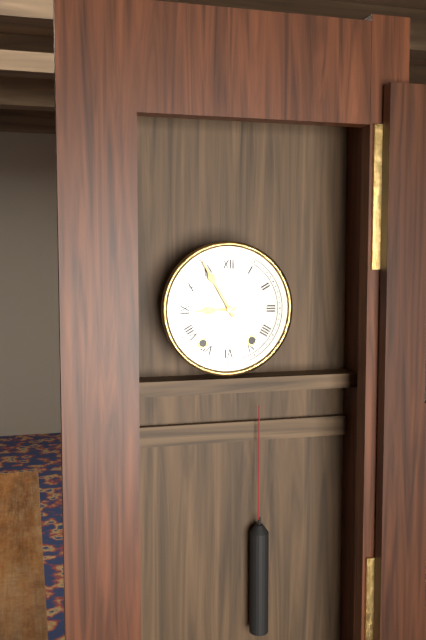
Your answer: **8:55**
